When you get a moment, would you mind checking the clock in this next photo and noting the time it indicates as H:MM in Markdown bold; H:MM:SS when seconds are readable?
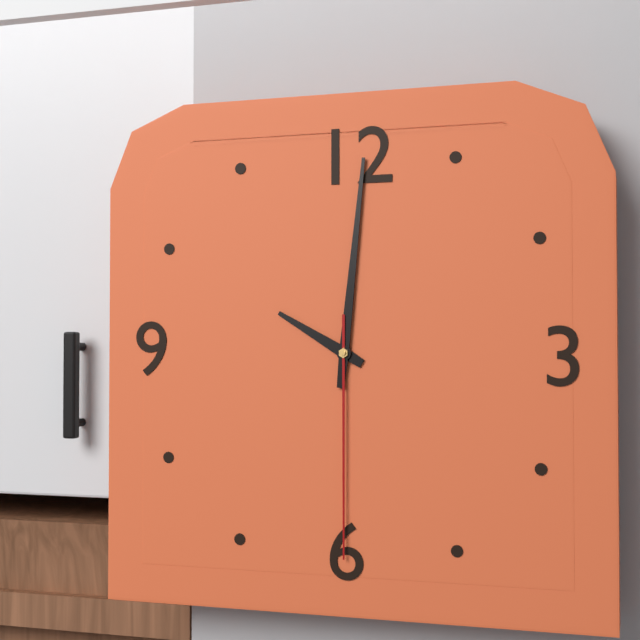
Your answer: **10:01:30**
